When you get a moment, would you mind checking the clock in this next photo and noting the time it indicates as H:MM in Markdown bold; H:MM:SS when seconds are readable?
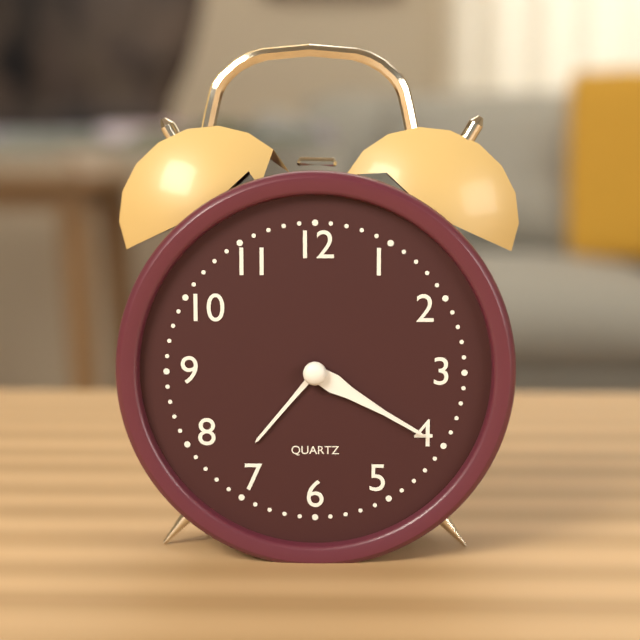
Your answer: **7:20**
